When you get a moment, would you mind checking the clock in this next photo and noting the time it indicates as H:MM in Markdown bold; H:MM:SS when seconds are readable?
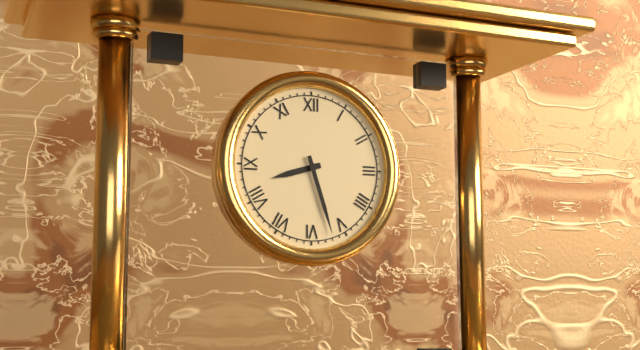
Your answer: **8:27**
